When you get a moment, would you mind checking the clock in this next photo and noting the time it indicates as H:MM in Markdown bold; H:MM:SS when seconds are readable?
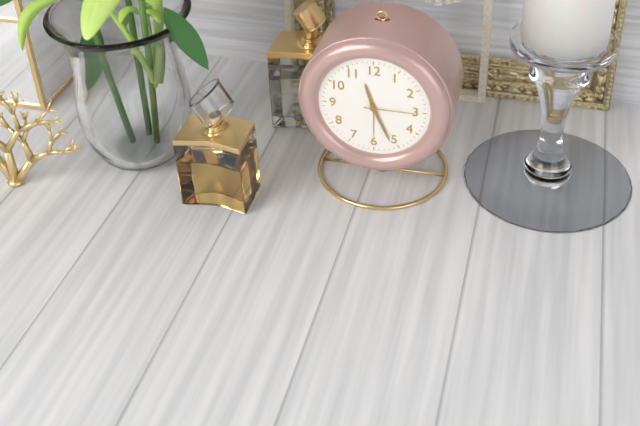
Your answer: **11:26:15**
